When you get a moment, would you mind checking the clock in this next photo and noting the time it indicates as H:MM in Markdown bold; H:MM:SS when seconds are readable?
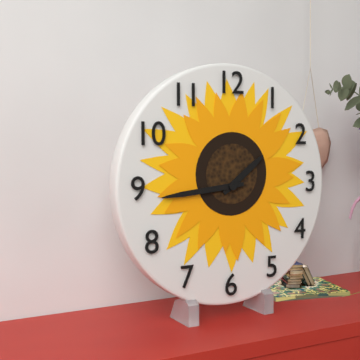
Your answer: **1:44**
